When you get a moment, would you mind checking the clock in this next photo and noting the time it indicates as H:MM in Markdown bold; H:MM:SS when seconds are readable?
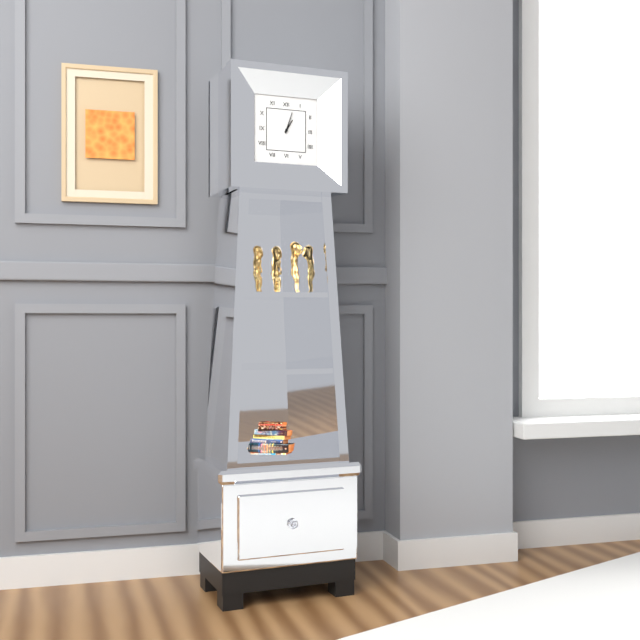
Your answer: **1:03**
